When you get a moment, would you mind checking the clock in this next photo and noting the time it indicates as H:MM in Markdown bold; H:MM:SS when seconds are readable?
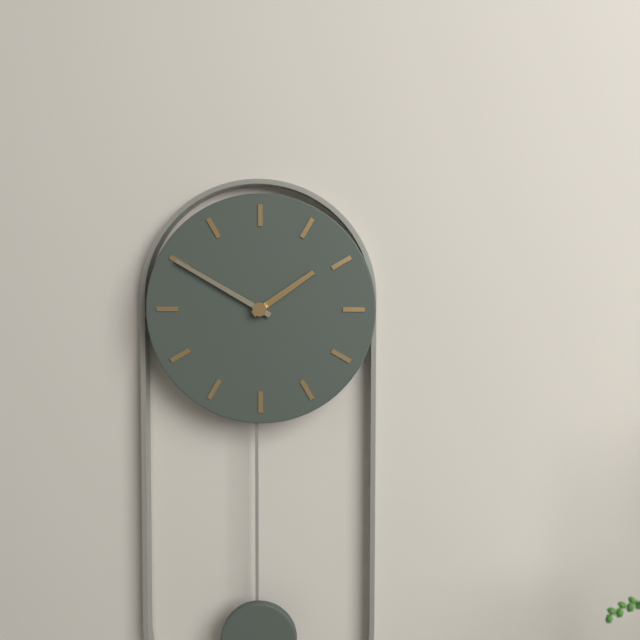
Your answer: **1:50**
